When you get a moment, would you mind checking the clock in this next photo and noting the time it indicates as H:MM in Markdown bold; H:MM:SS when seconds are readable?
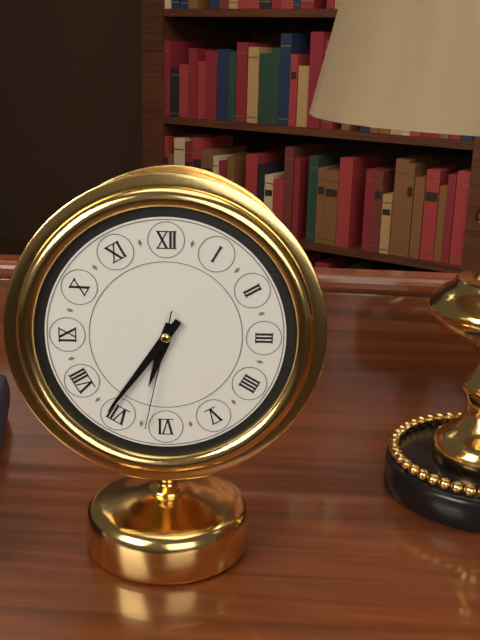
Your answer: **6:36:32**
